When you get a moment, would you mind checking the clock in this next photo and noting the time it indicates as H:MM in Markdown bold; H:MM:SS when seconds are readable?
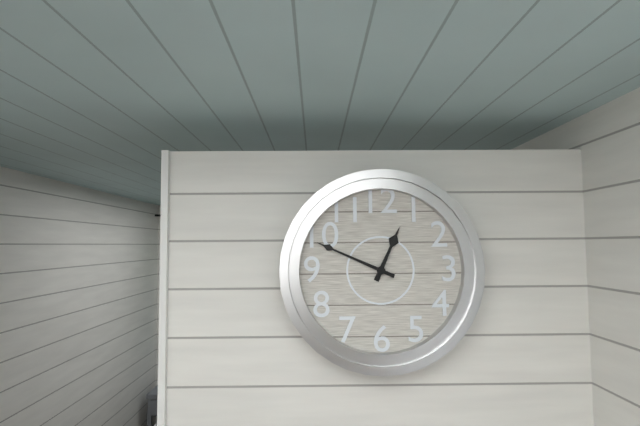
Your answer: **12:49**
